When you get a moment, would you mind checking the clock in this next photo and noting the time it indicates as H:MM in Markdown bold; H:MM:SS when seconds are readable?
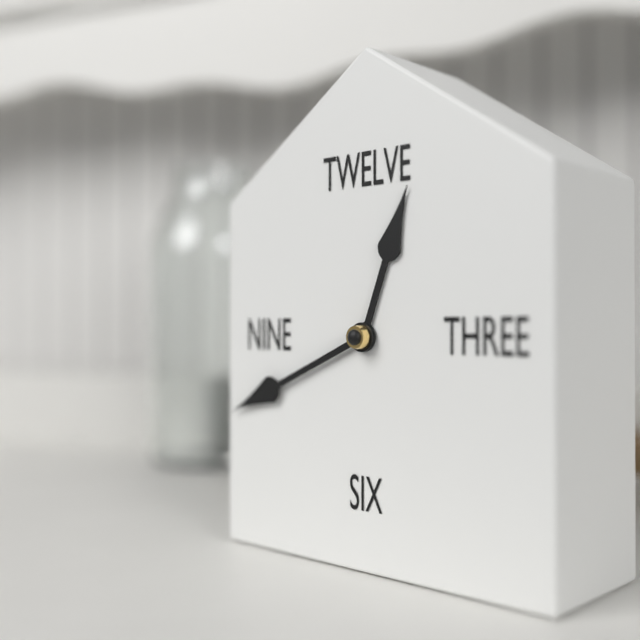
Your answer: **12:41**
